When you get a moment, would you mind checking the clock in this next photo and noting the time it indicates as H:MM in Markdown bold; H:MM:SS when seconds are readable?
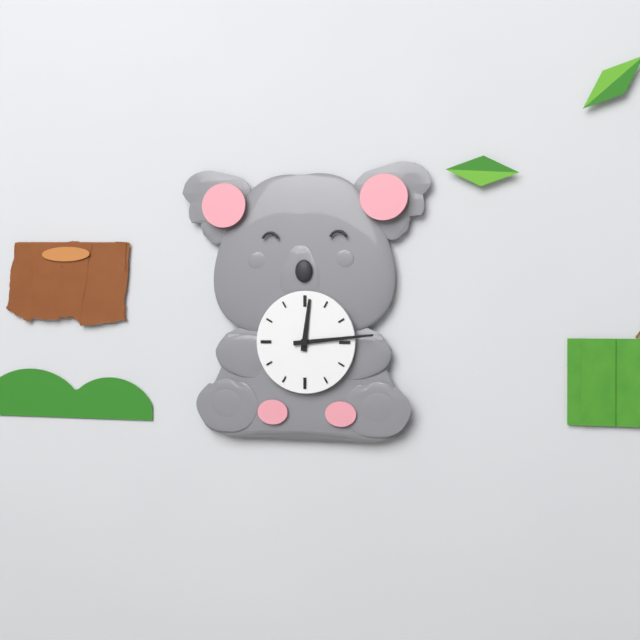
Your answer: **12:14**
